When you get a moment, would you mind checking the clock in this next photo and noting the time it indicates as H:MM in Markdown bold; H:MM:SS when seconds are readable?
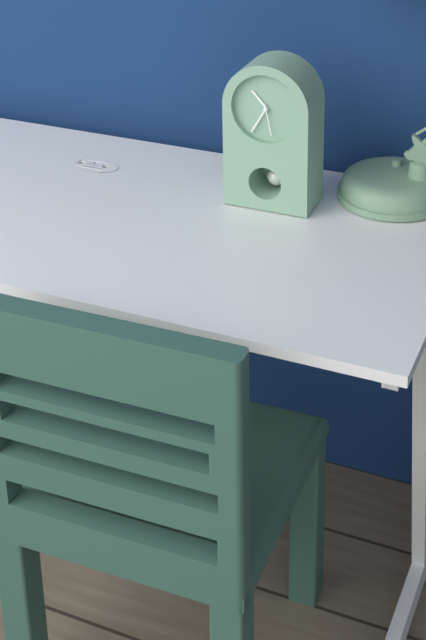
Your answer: **10:35**
